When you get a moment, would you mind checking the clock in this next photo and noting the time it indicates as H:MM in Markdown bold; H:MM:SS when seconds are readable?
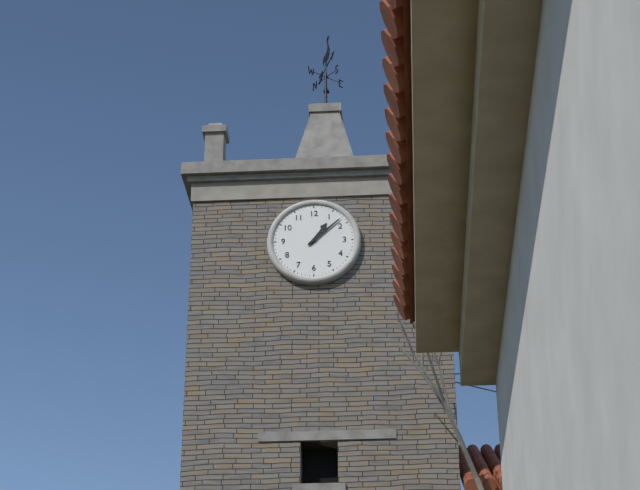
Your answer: **1:08**
